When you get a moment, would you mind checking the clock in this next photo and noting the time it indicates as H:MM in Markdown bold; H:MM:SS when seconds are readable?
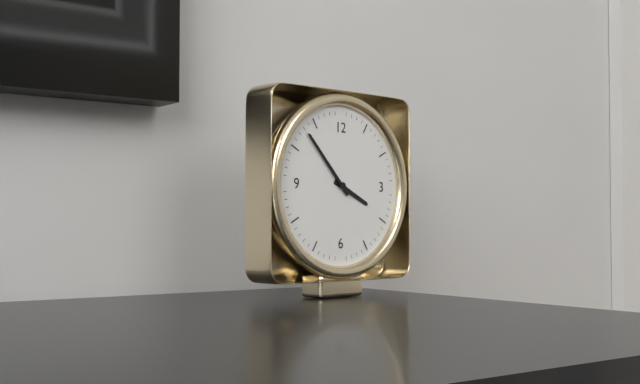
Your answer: **3:53**
